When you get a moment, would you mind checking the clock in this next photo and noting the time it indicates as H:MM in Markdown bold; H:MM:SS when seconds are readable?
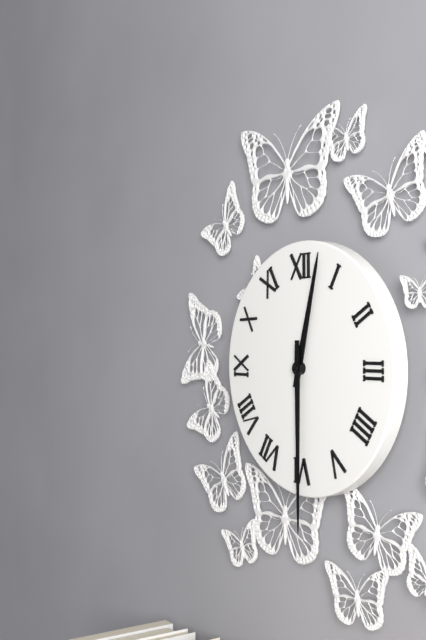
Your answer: **12:30**
